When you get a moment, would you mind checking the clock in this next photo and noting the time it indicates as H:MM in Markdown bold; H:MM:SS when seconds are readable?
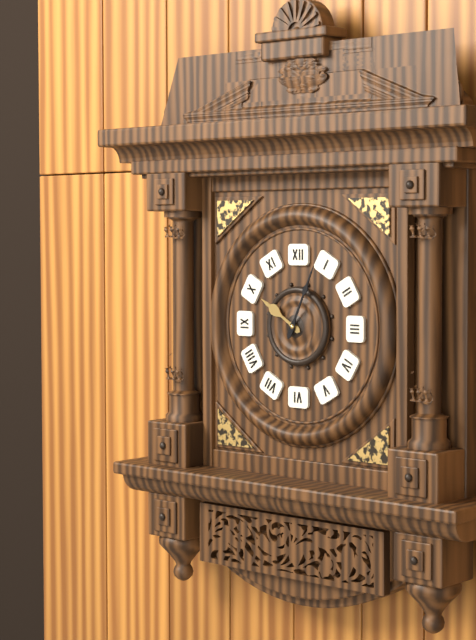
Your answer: **10:04**
